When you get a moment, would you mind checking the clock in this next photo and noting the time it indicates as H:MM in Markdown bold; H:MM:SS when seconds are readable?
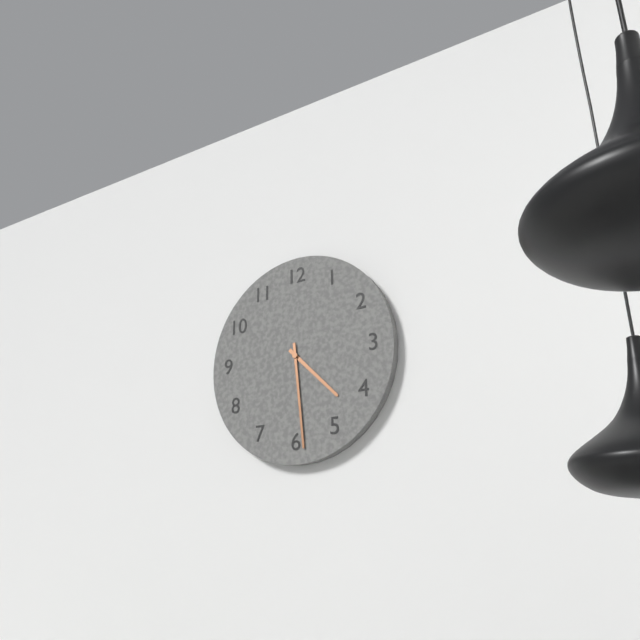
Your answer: **4:29**
